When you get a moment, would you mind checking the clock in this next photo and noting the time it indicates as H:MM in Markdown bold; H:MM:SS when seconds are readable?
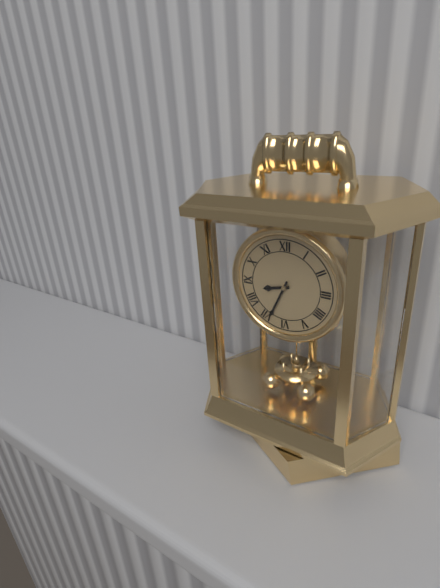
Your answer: **8:34**
